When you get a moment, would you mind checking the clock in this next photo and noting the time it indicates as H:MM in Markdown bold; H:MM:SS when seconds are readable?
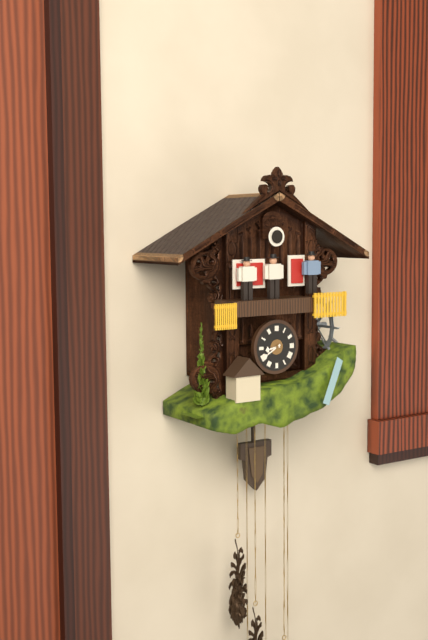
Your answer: **8:40**
